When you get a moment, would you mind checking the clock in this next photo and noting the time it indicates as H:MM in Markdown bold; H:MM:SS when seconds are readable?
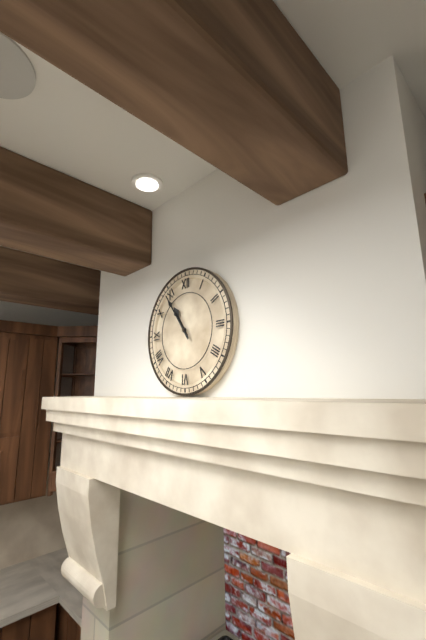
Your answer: **10:54**
